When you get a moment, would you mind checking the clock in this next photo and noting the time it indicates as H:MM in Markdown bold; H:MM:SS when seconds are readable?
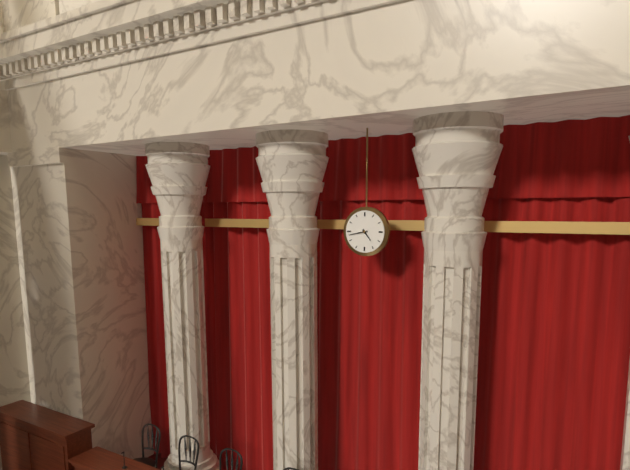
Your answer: **4:43**
